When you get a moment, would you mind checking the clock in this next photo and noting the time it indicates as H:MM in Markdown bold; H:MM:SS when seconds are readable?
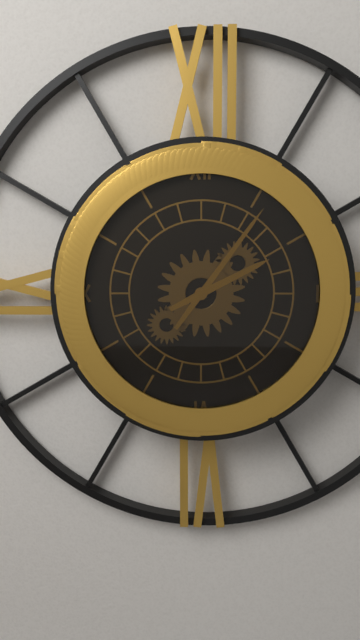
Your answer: **2:06**
